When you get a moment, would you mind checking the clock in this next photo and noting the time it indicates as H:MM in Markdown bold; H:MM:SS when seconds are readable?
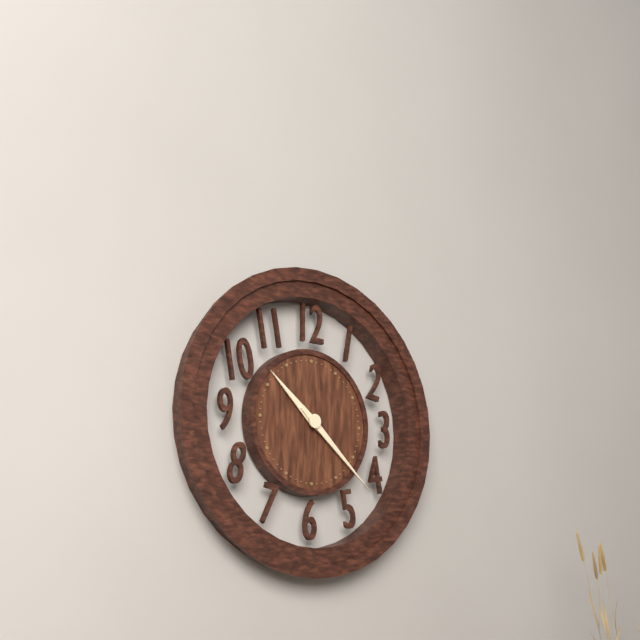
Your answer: **10:22**
